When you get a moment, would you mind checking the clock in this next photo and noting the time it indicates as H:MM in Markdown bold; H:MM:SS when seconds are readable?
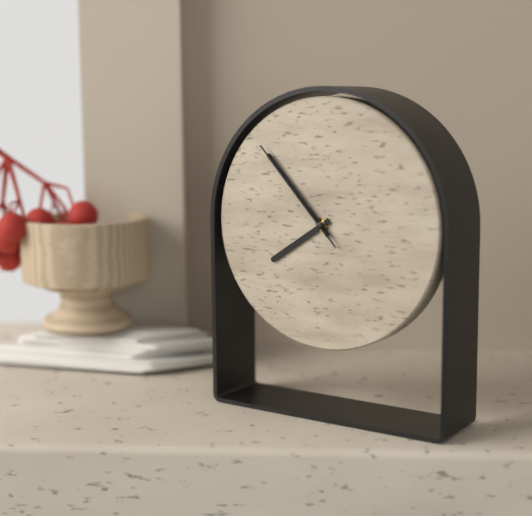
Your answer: **7:53:53**
